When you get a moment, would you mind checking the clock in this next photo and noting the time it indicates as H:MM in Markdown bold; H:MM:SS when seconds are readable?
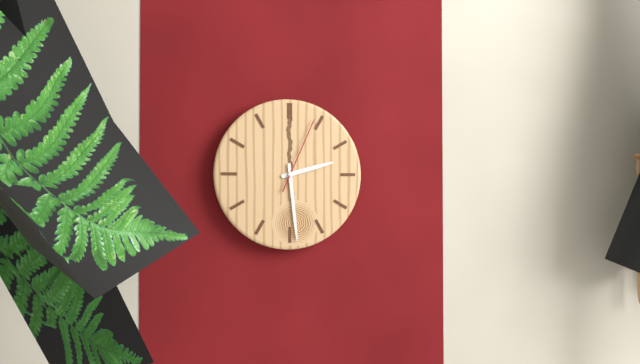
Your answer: **2:29:04**
